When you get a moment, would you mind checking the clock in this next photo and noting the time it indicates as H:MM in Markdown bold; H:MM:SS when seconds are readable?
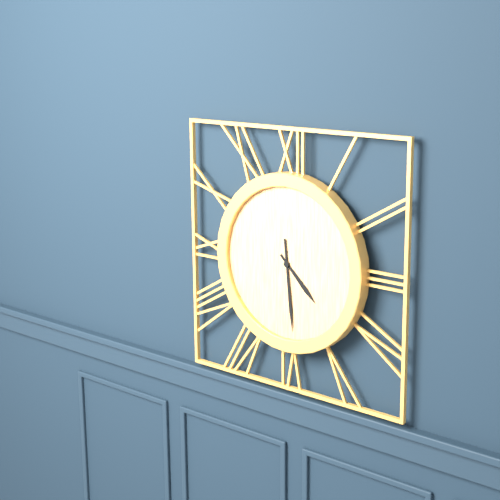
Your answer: **4:29**
